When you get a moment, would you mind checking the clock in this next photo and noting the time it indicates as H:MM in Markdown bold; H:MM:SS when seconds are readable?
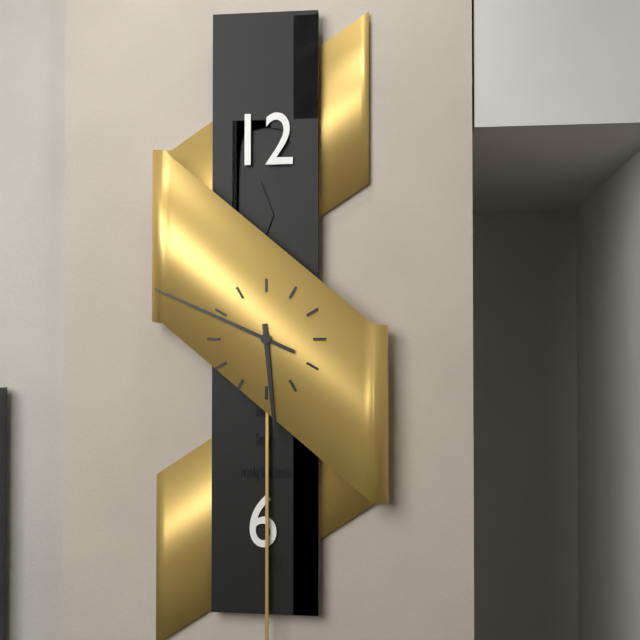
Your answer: **5:49**
